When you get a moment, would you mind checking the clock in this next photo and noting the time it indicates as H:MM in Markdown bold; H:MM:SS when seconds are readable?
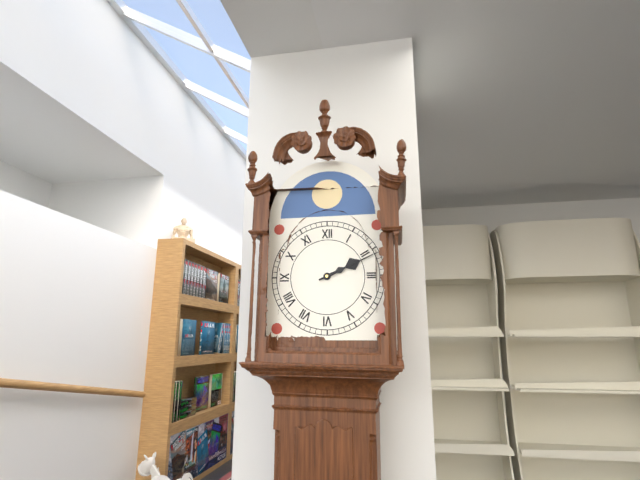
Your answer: **2:11**
